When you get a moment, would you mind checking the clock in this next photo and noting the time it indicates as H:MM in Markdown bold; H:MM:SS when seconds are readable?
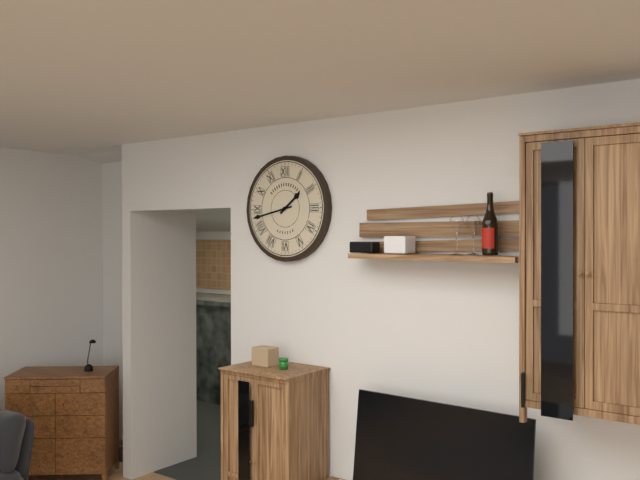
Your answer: **1:43**
